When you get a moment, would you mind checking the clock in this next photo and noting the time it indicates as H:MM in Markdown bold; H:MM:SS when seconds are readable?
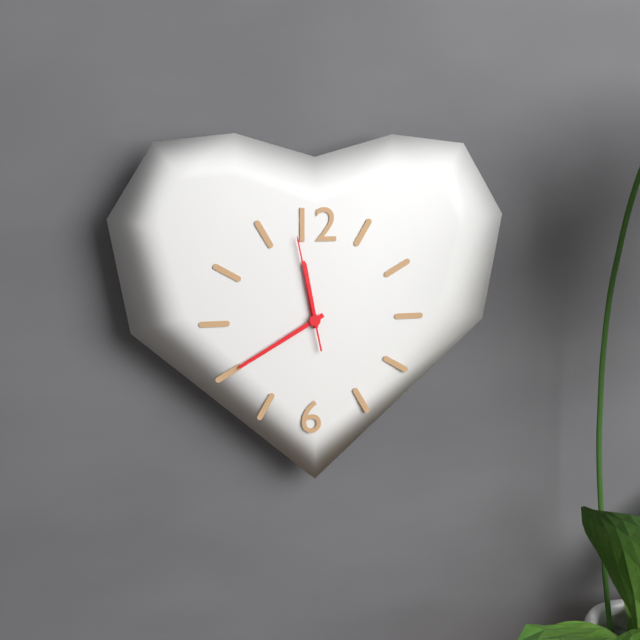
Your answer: **11:40:58**
